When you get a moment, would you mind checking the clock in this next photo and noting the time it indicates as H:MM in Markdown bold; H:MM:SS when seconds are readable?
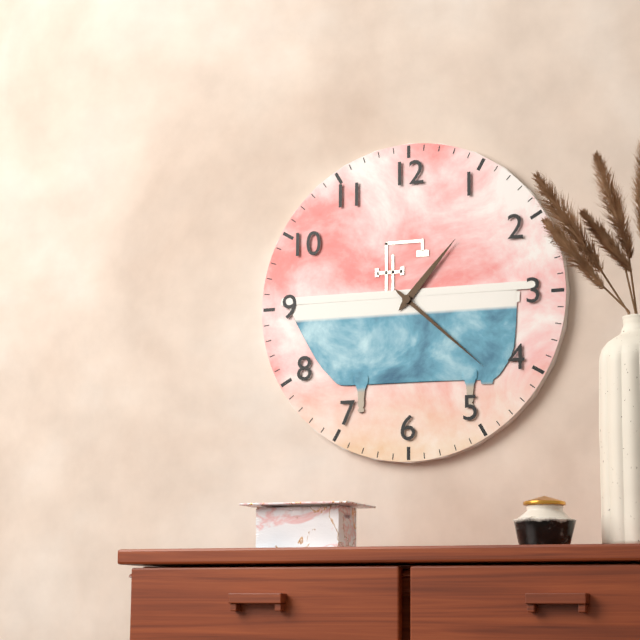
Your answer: **1:22**
